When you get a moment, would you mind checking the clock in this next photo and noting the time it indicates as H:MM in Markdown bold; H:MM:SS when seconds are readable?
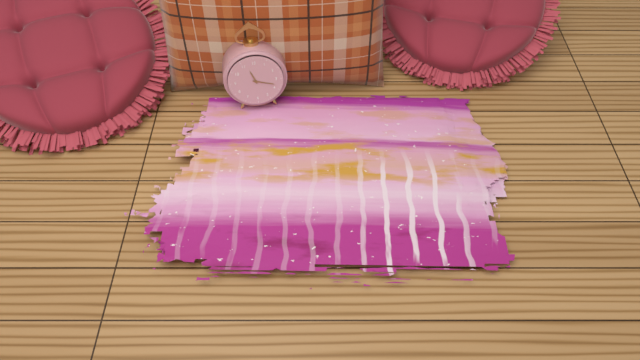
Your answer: **11:18**
